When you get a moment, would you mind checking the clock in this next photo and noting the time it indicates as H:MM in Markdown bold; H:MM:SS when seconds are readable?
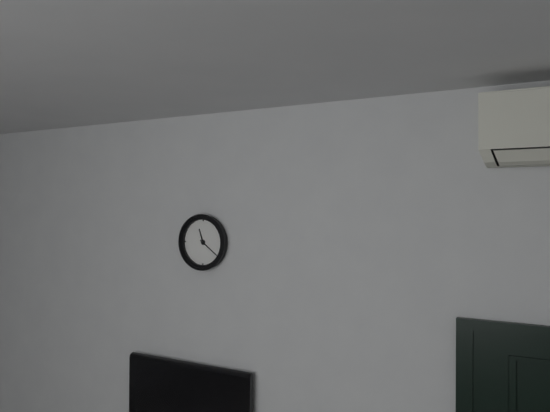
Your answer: **11:21**
